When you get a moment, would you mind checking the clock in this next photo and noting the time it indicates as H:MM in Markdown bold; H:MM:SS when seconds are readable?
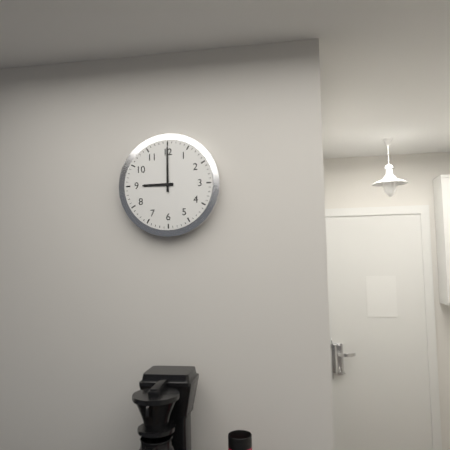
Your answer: **9:00**
